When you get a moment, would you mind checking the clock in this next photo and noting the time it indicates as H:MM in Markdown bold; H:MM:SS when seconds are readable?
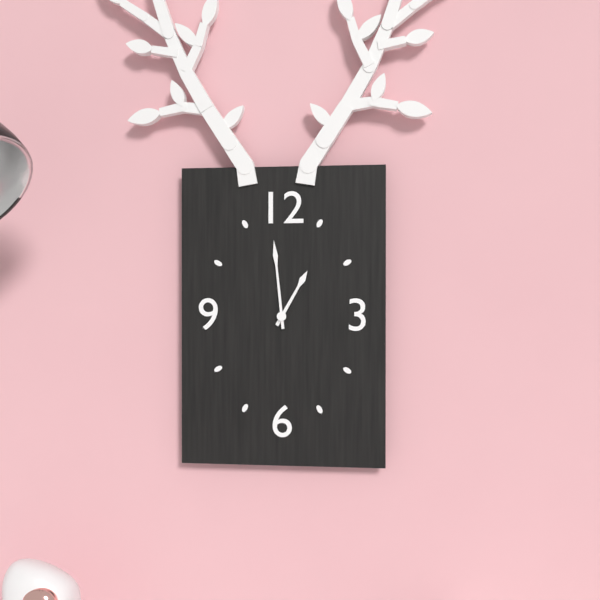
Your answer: **12:59**
